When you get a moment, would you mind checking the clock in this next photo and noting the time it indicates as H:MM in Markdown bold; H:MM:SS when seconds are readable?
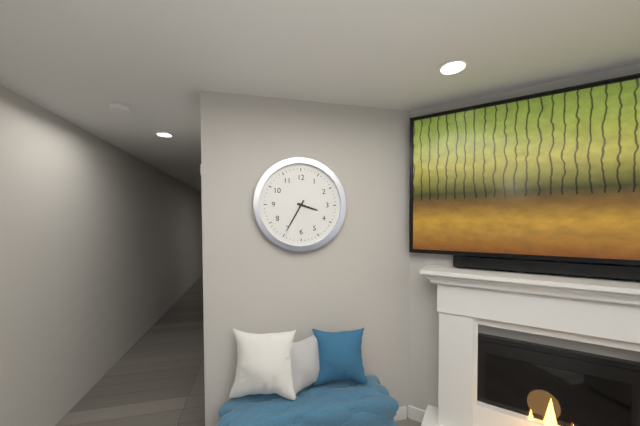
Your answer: **3:35**
